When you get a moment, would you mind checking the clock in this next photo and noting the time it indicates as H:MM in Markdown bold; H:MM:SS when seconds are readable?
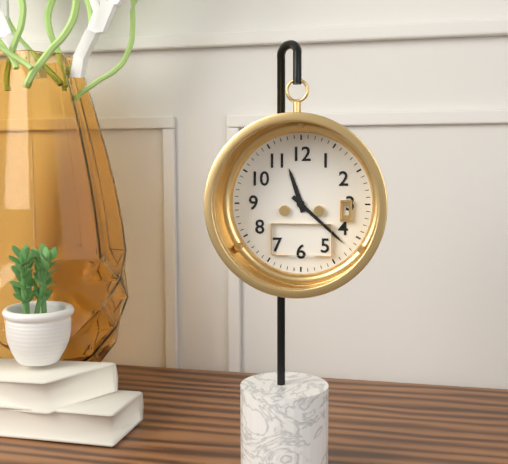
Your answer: **11:22**
